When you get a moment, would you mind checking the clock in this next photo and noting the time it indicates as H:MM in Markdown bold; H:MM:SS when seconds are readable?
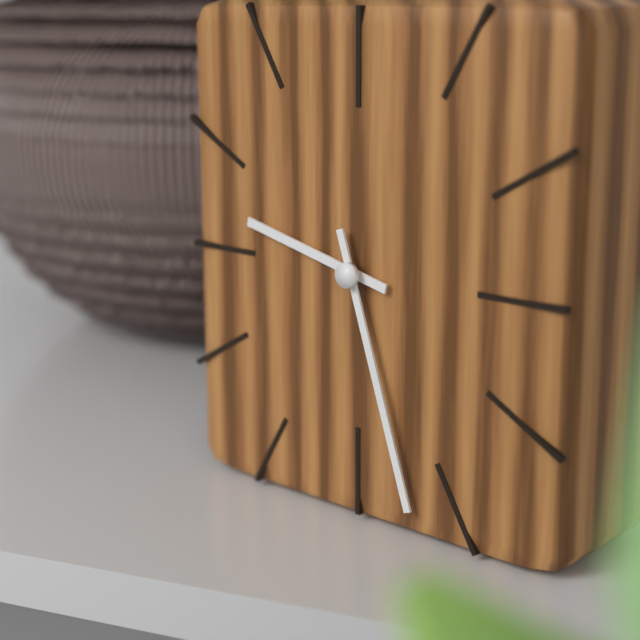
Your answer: **9:27**
